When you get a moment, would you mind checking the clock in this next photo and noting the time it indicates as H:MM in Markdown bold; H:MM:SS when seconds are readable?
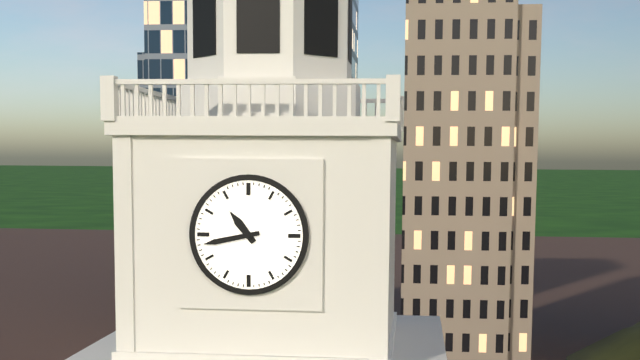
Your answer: **10:43**
